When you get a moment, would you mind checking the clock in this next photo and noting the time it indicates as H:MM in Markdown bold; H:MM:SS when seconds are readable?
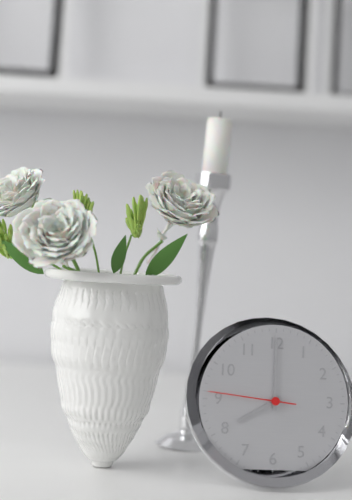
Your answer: **8:00:46**
